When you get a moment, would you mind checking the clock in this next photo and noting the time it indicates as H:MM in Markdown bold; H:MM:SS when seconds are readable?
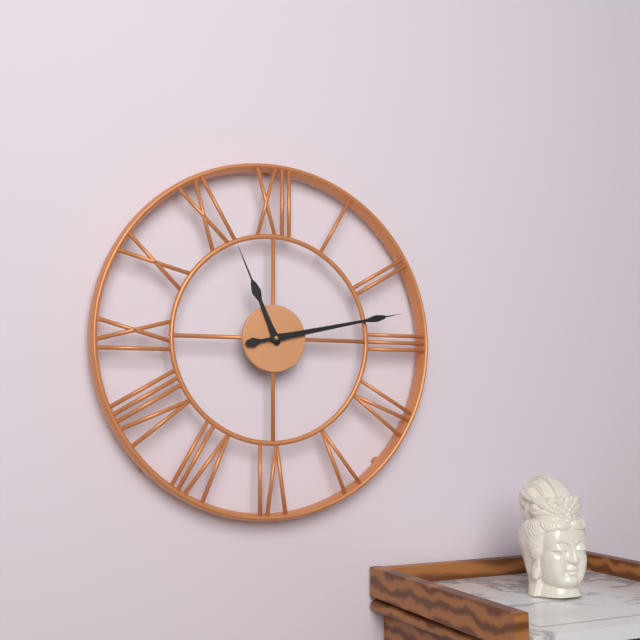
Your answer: **11:13**
